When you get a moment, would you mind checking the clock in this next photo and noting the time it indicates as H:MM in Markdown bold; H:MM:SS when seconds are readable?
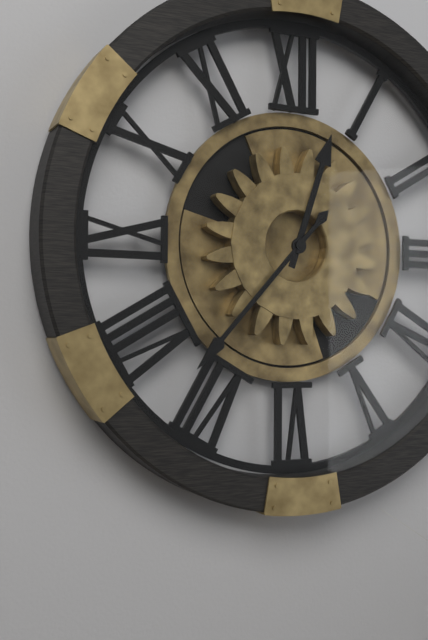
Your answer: **12:37**
